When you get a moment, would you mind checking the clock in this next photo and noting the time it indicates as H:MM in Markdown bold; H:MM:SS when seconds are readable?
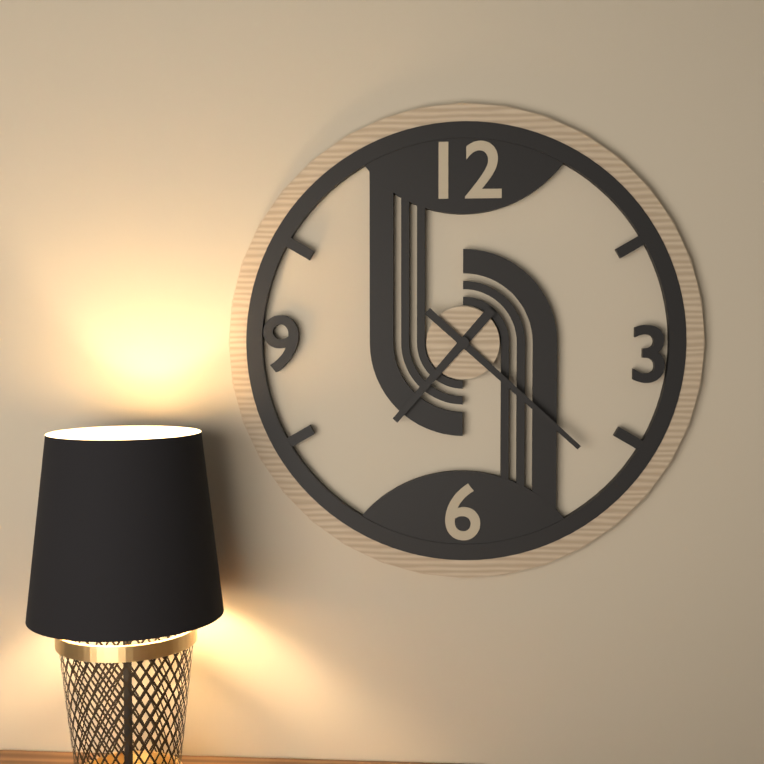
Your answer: **7:22**
